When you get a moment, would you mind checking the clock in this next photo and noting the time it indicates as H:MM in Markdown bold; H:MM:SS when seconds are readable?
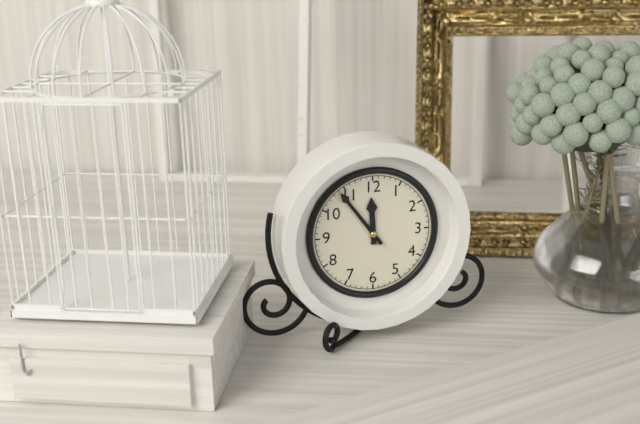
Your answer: **11:54**
